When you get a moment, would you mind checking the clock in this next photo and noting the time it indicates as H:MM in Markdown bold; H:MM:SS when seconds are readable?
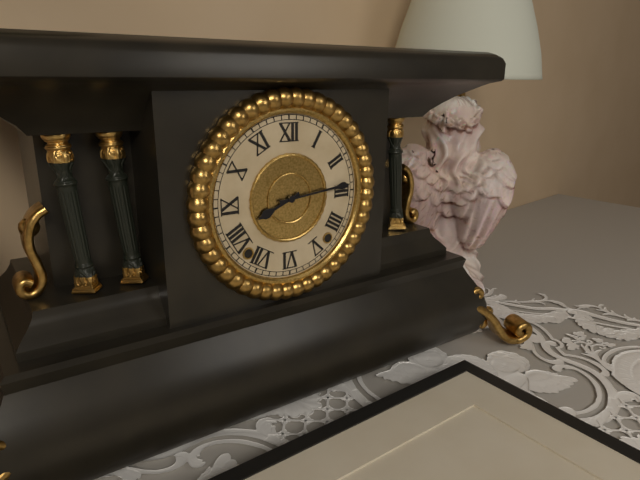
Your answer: **8:14**
